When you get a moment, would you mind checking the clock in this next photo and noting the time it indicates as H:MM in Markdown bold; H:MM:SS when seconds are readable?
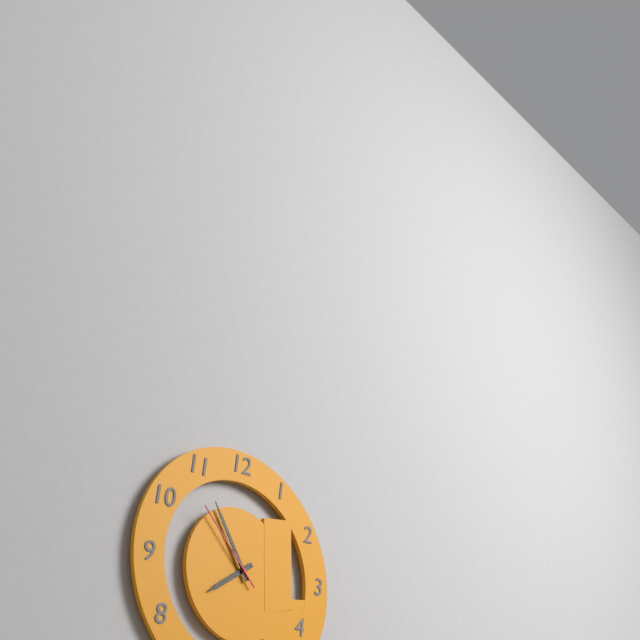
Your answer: **7:55:53**
